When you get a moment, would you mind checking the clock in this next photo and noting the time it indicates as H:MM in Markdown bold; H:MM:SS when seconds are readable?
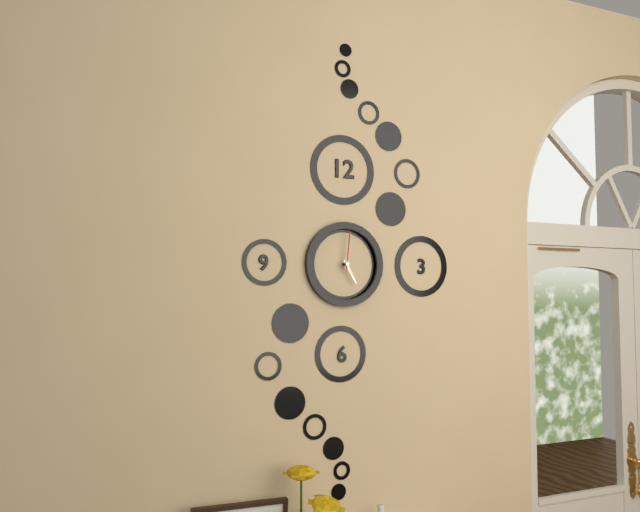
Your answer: **5:01**
